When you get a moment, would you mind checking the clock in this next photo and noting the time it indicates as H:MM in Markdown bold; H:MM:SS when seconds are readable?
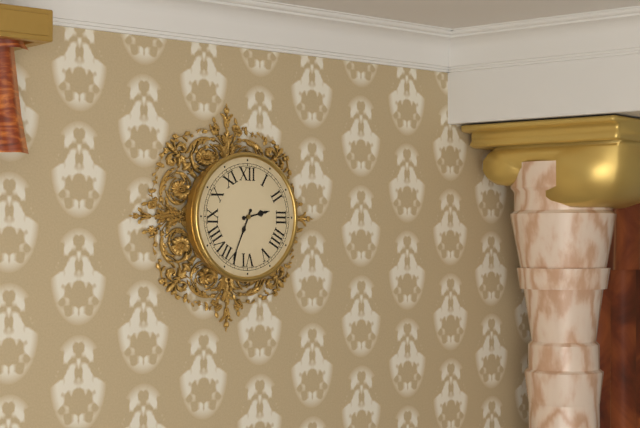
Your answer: **2:34**
